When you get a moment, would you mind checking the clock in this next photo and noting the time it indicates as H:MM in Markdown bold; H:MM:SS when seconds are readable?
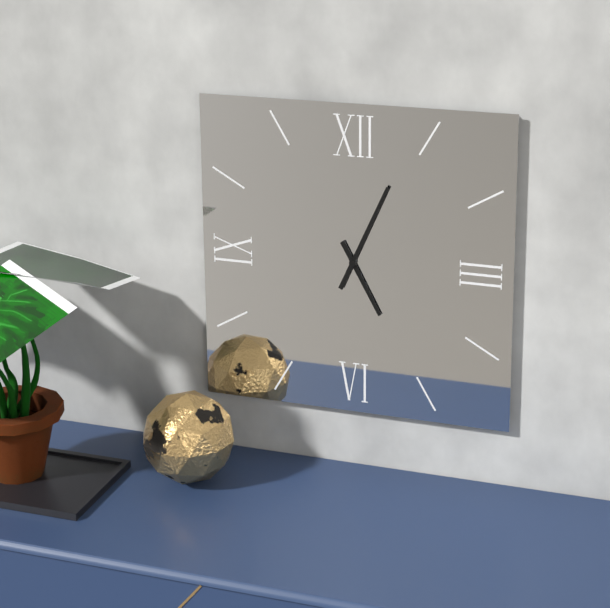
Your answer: **5:04**
